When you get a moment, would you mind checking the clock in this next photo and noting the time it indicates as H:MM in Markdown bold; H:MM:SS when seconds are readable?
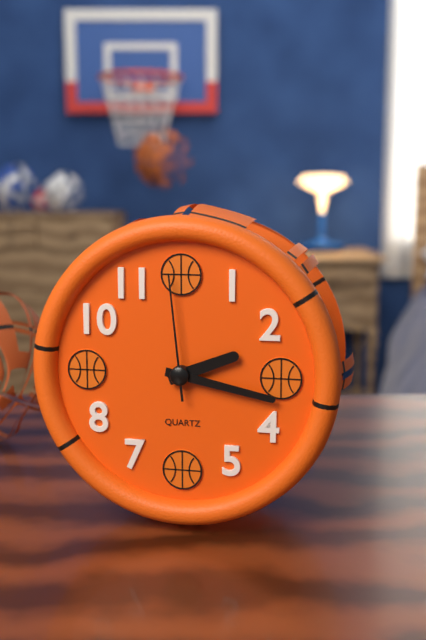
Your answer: **2:17:59**
